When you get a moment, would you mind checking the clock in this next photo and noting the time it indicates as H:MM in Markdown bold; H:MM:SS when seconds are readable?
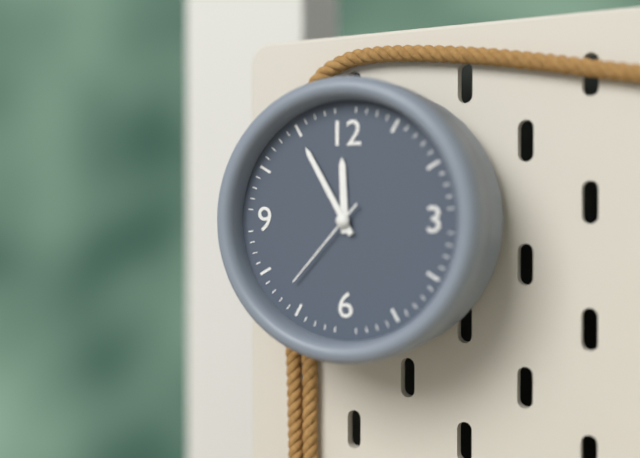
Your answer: **11:55:37**
